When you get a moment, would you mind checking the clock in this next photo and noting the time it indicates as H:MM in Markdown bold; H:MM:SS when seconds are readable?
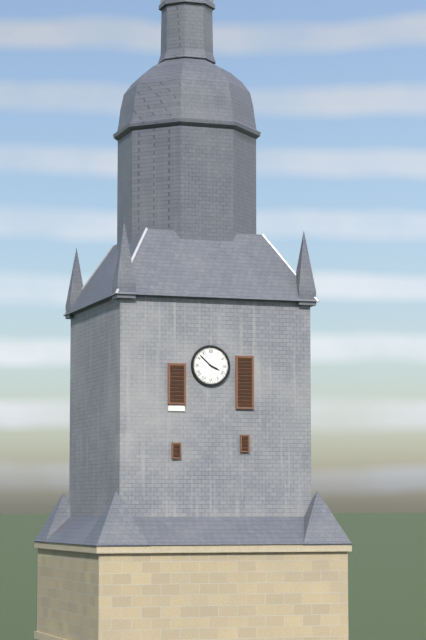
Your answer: **3:52**
